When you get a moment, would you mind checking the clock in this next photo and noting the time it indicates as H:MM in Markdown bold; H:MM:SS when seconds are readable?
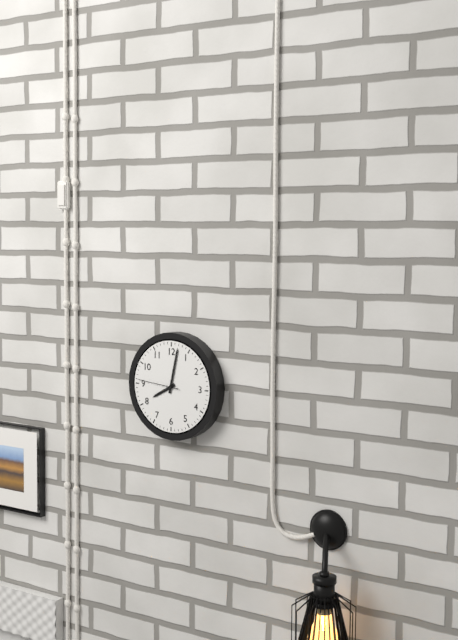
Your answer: **8:02**
